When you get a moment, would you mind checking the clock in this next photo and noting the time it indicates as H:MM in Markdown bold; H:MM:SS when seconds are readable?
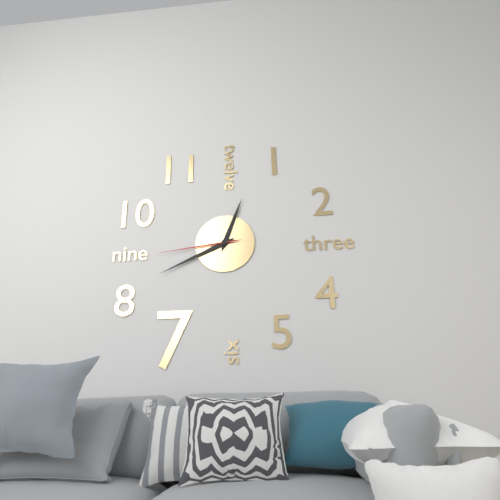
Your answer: **12:41:44**
